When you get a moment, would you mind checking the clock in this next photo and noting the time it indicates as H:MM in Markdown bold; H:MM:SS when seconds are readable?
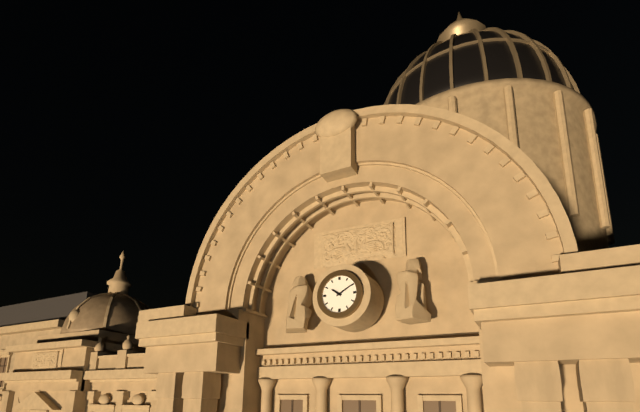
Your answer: **10:10**
